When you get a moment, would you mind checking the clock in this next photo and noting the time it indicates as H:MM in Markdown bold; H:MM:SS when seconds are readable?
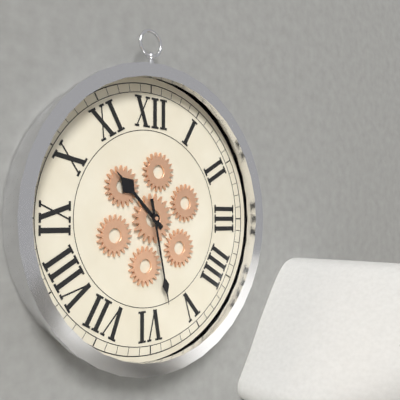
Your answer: **10:28**
